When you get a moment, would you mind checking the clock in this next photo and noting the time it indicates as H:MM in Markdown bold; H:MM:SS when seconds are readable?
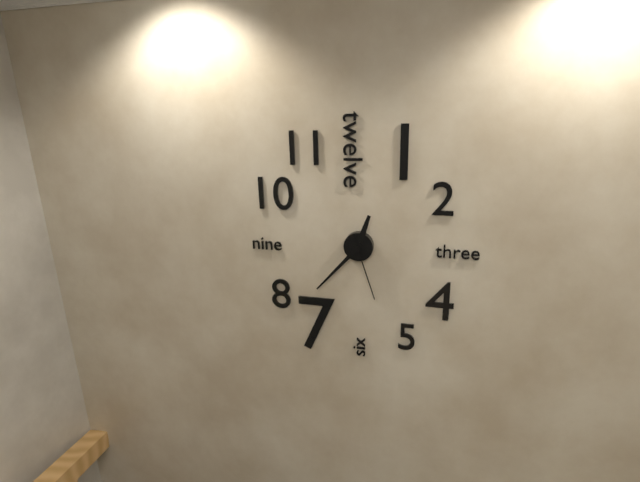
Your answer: **12:37:27**
